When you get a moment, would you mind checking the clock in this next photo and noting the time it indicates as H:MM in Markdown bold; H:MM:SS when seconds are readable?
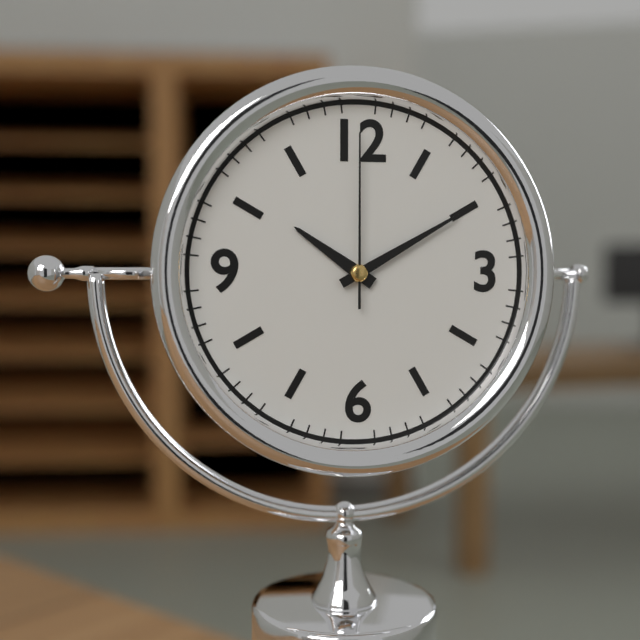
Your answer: **10:10:00**
